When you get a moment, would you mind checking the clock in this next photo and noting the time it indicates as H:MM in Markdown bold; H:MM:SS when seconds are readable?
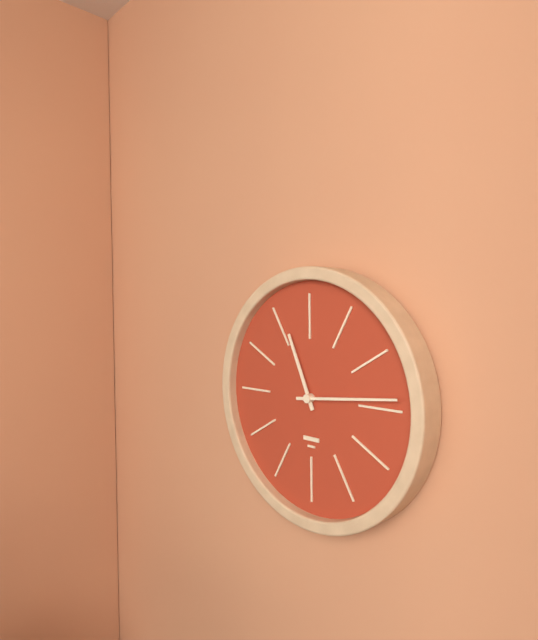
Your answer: **11:14**
